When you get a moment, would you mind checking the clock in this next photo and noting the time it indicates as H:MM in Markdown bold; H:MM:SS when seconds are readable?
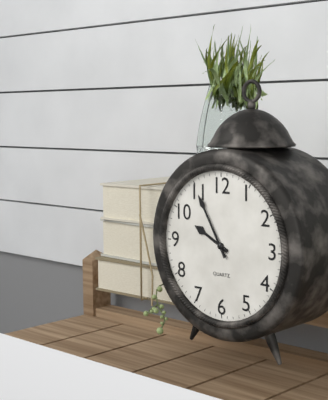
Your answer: **9:55**
